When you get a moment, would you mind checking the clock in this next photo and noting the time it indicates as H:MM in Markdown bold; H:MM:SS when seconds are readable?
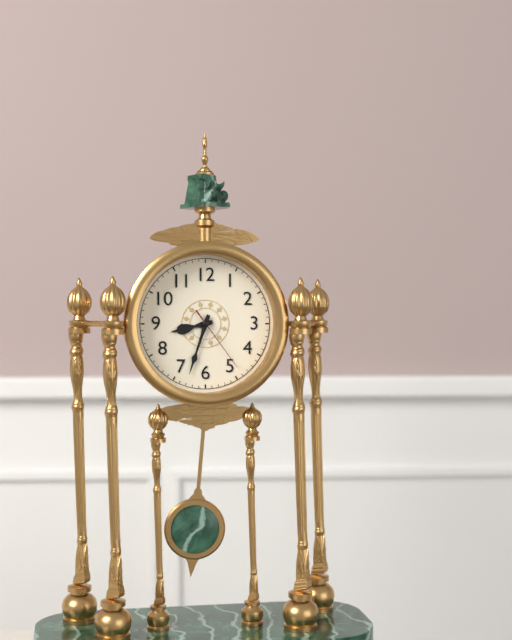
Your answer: **8:33:24**
